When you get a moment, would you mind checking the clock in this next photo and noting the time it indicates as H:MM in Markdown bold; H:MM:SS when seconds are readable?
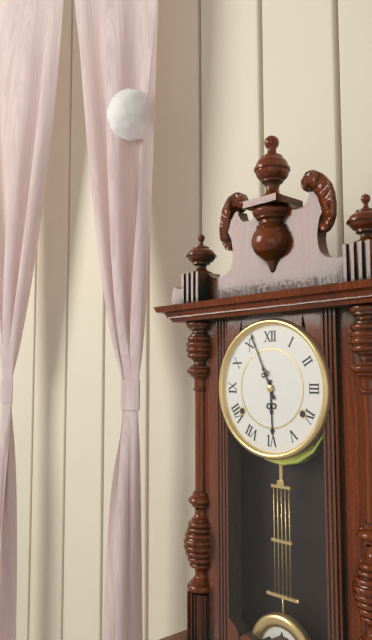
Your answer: **5:56**
